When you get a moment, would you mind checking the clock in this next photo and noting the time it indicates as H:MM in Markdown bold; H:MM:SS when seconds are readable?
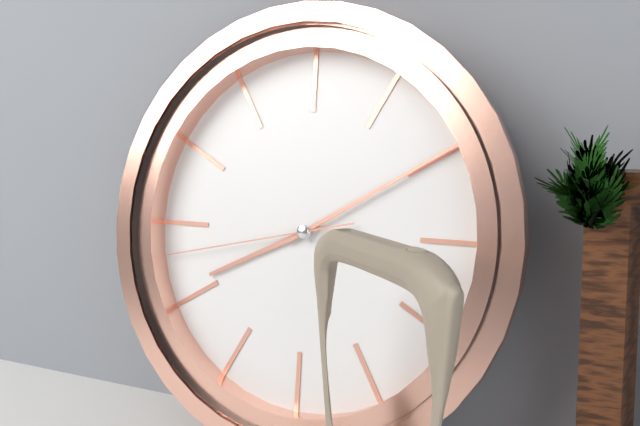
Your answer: **8:10:43**
